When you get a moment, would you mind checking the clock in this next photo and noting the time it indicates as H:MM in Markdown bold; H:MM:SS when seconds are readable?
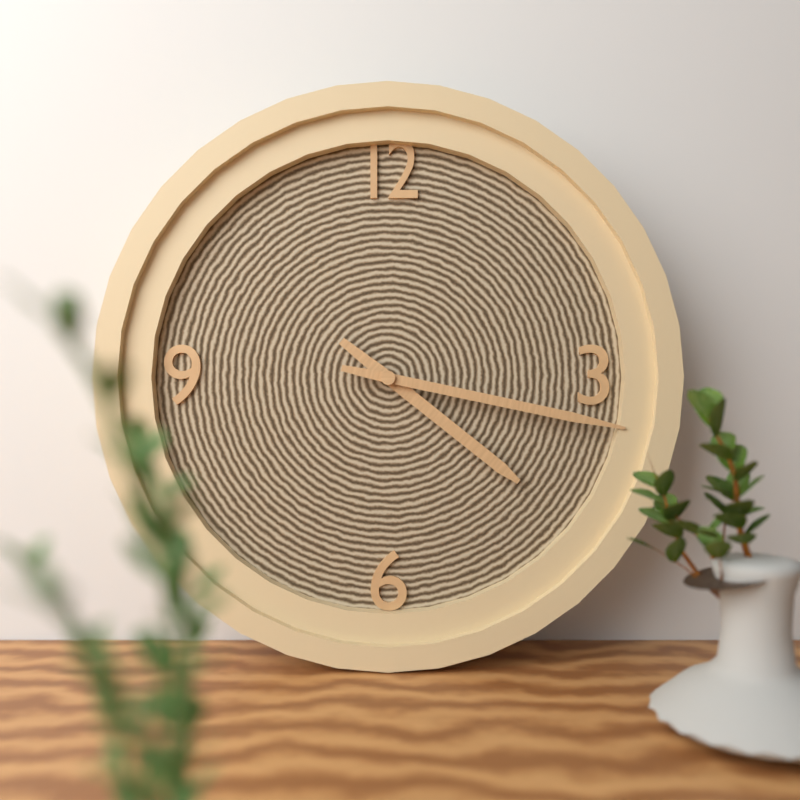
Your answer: **4:17**
